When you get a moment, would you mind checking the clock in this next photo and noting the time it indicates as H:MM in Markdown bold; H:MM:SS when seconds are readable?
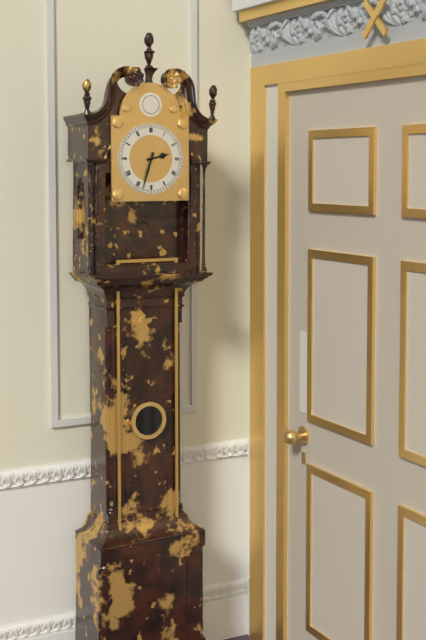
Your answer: **2:33**
